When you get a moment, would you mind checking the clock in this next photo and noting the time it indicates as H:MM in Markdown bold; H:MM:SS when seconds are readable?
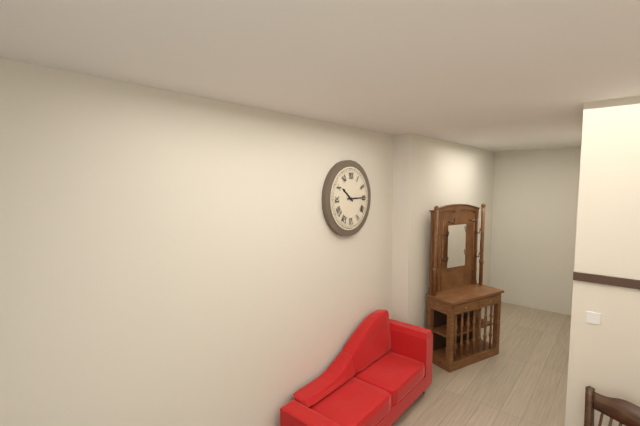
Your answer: **10:15**
